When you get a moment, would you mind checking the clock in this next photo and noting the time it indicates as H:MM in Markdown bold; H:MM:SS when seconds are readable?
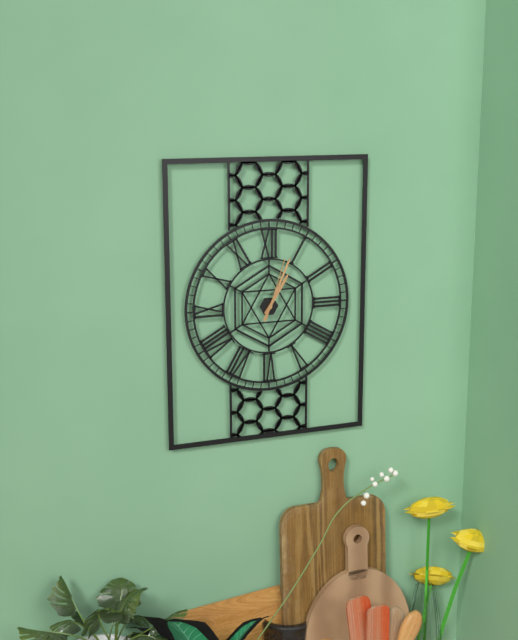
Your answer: **1:04:03**
